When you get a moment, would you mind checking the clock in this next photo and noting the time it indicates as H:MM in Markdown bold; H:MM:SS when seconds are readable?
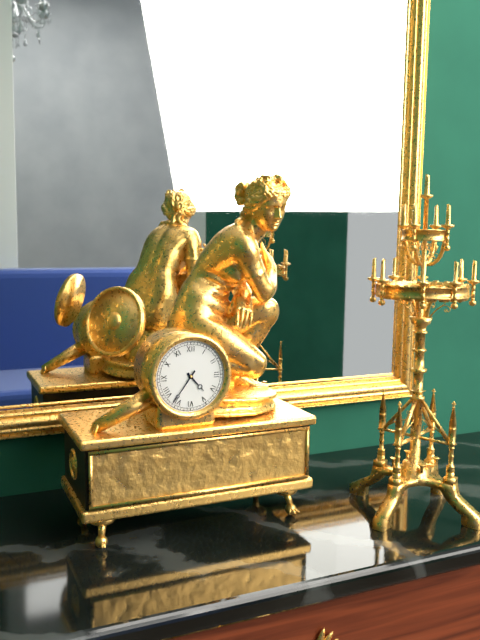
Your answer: **4:36**
